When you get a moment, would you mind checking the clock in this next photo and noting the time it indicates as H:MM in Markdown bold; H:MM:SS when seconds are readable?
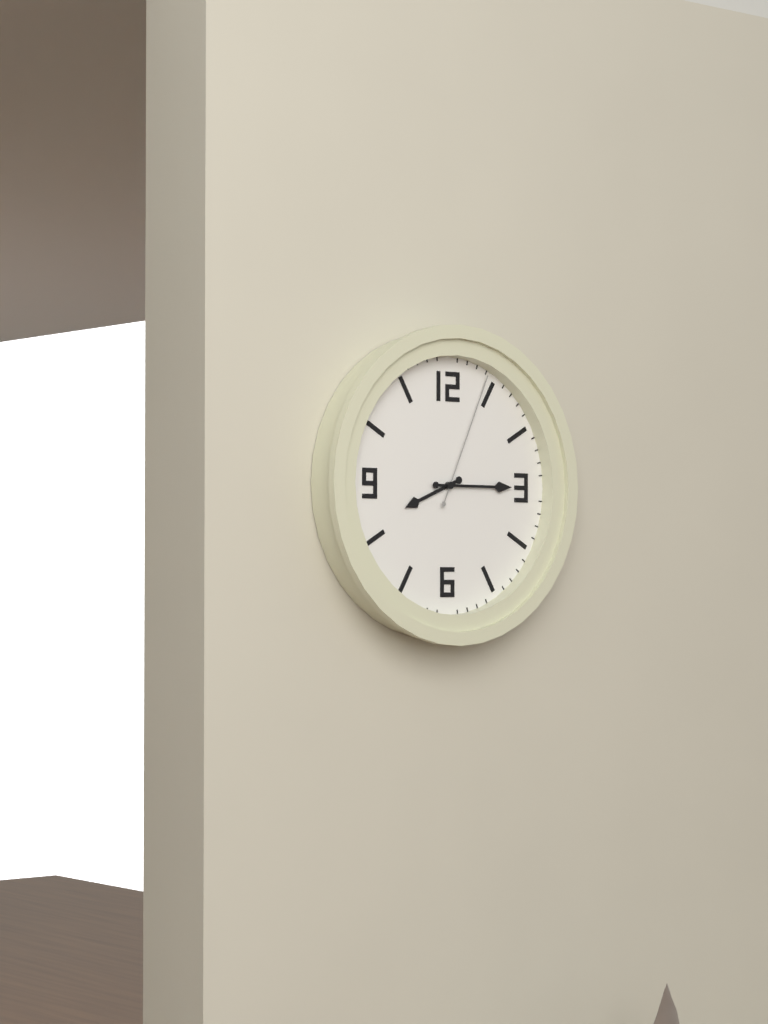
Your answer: **8:15:04**
